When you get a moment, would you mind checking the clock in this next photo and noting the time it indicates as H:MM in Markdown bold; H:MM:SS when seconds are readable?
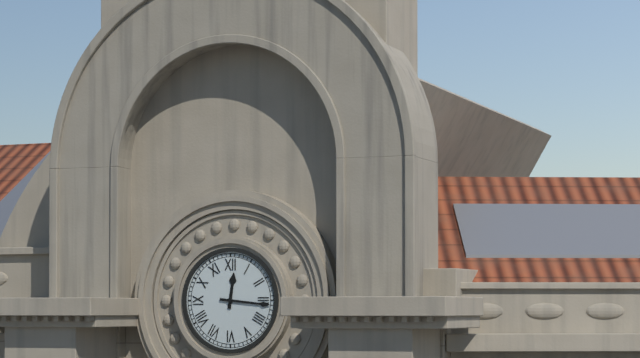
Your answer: **12:16**
